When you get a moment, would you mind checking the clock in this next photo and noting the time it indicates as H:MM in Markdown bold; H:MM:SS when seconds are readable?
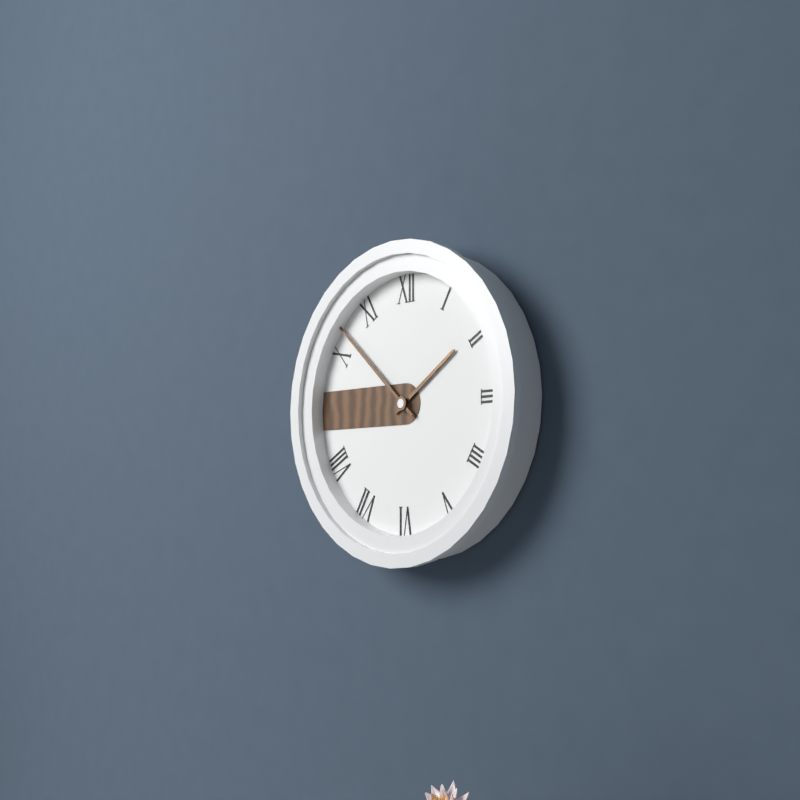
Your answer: **1:52**
